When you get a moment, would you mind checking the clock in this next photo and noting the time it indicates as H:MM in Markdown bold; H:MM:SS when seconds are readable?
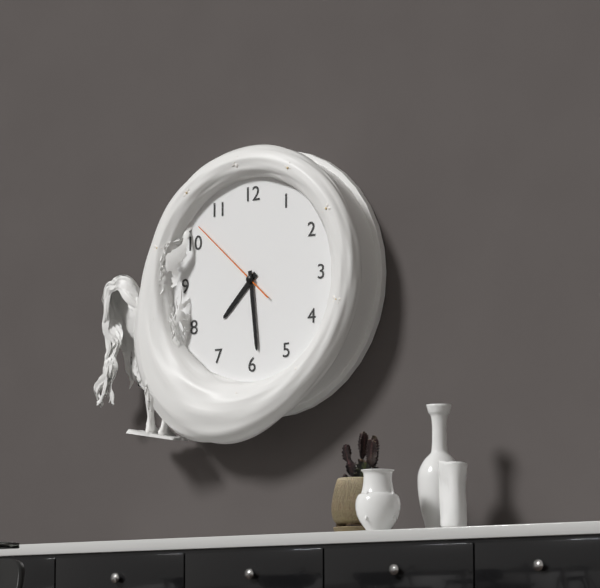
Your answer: **7:29:52**
